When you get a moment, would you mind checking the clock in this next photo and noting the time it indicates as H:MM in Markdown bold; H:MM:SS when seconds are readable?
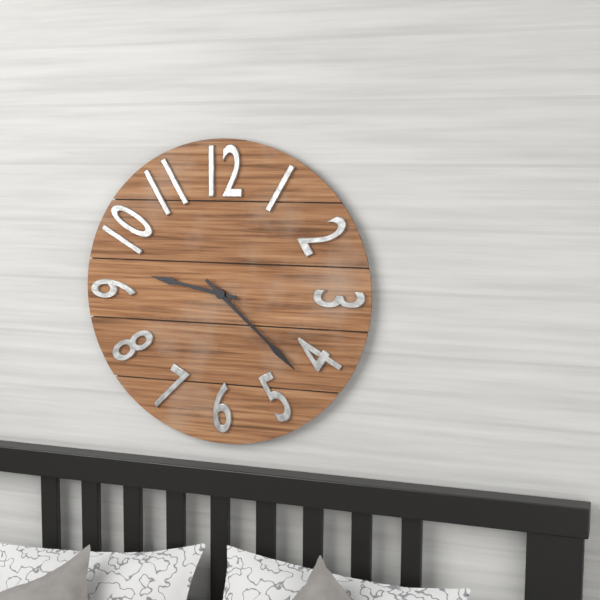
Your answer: **9:22**
